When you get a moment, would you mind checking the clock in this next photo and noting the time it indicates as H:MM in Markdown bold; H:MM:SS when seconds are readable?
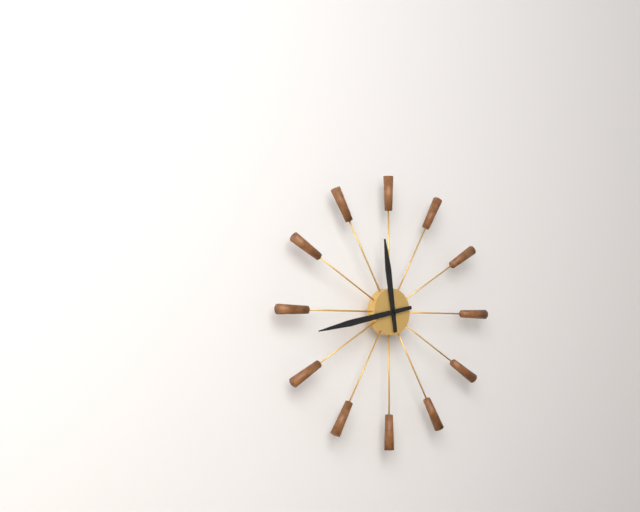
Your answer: **11:43**
